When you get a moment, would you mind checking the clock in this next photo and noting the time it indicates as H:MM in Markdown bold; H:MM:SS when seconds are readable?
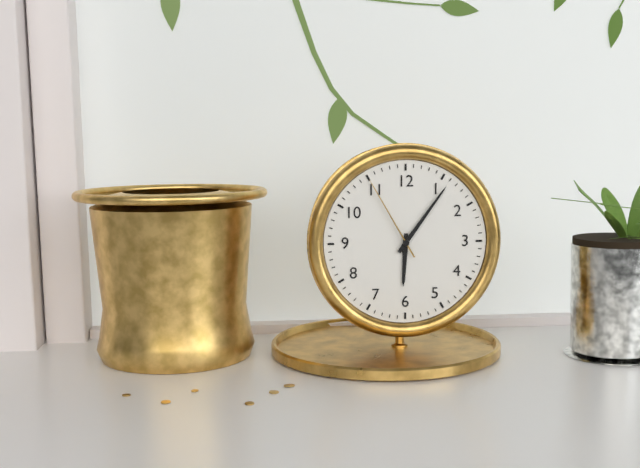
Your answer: **6:06:55**
